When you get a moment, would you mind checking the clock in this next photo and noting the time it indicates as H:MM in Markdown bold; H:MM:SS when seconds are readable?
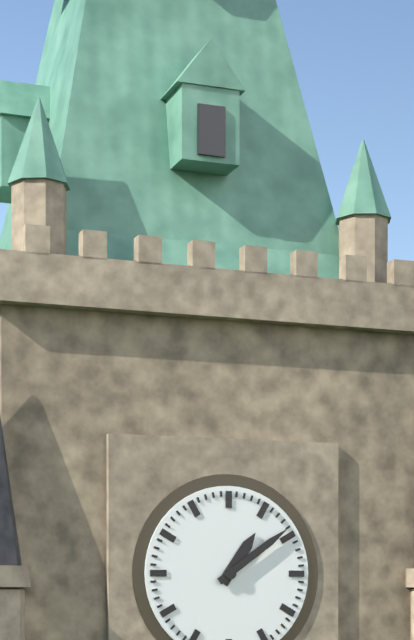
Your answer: **1:09**
